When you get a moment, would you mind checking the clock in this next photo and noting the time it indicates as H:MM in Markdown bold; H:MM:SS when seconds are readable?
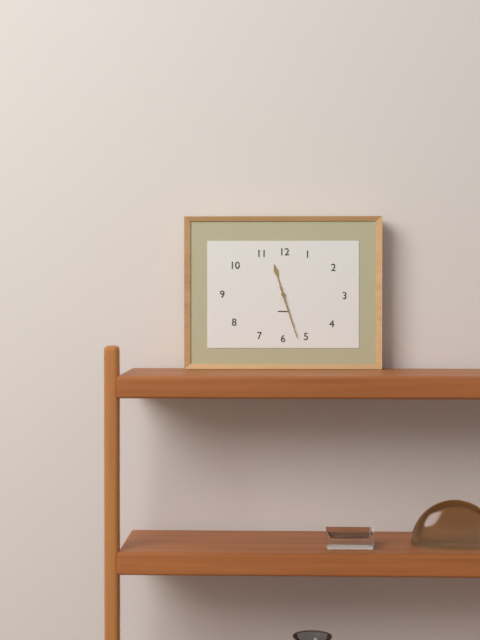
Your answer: **11:27**
